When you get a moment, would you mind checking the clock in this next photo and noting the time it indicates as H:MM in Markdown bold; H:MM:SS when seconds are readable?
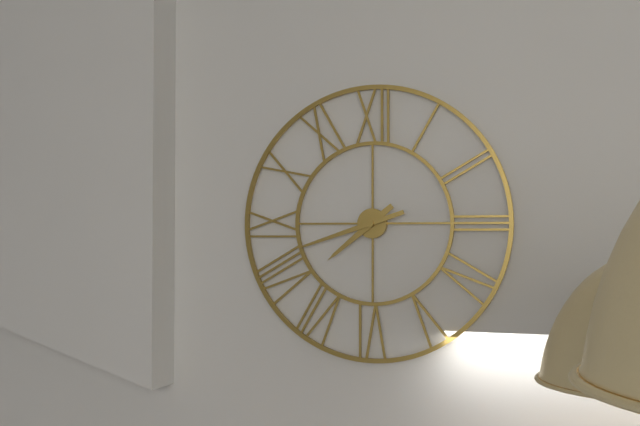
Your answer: **7:42**
